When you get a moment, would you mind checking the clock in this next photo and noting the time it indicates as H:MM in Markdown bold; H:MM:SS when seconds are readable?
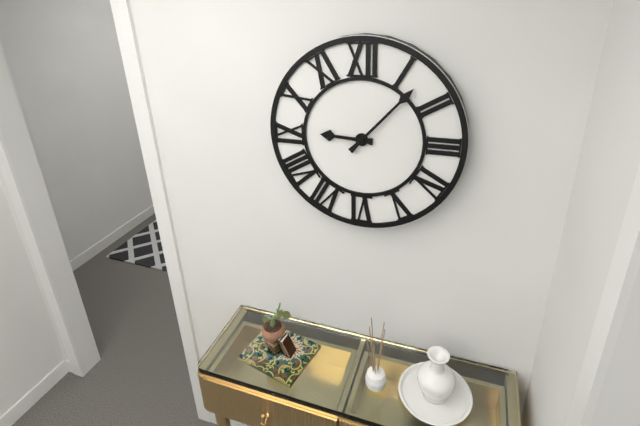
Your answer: **9:07**
